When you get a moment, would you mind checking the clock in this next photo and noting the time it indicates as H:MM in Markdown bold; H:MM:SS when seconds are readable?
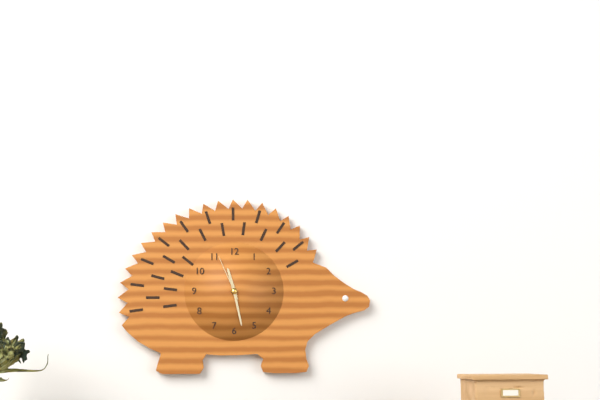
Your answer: **11:28**
